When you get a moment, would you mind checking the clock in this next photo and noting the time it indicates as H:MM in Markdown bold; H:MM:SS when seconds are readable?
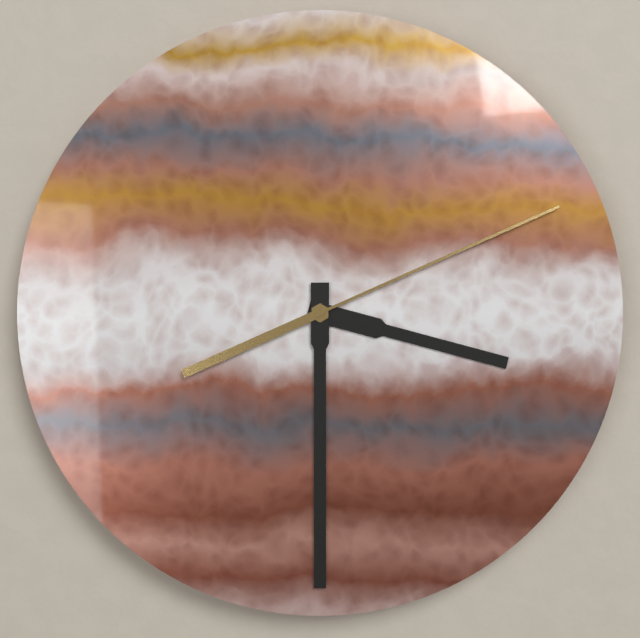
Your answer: **3:30:11**
